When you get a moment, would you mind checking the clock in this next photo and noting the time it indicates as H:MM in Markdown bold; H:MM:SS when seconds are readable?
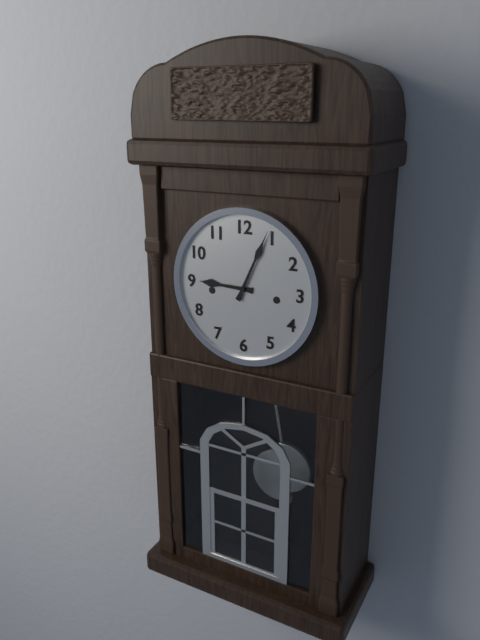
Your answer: **9:04**
